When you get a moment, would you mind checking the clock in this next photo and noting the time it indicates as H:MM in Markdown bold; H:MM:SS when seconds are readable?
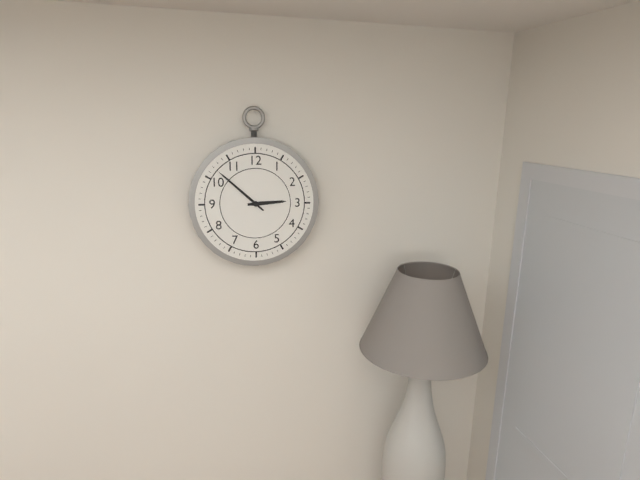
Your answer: **2:52**
